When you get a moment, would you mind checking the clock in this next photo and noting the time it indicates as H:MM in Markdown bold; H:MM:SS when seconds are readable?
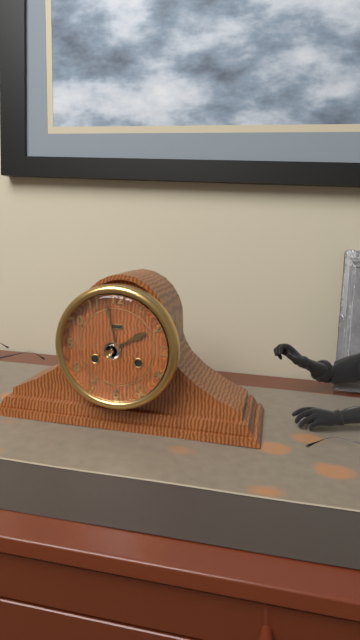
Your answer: **1:58**
